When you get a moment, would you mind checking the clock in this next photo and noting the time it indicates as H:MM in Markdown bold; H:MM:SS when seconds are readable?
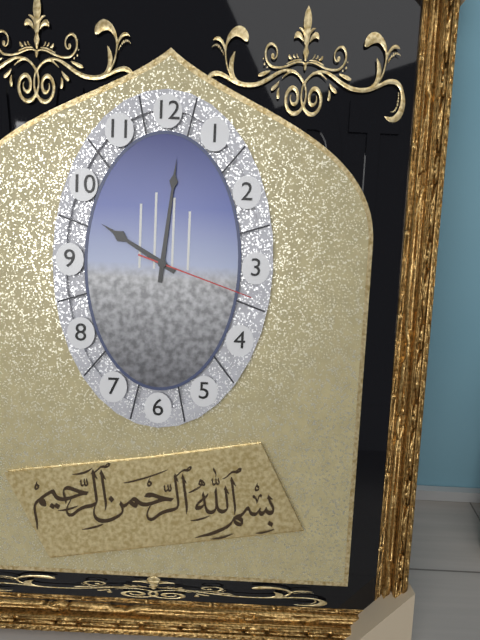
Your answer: **10:01:18**
